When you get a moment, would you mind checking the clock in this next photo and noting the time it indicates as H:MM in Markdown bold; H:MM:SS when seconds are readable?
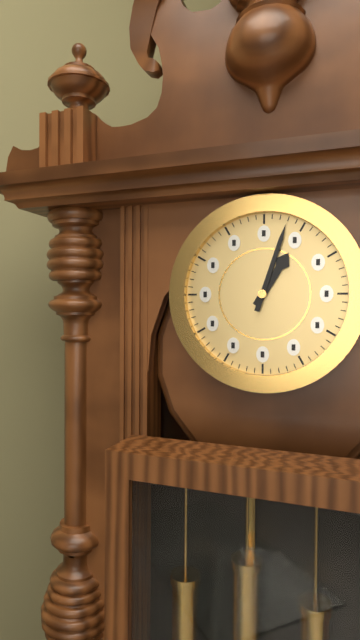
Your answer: **1:03**
